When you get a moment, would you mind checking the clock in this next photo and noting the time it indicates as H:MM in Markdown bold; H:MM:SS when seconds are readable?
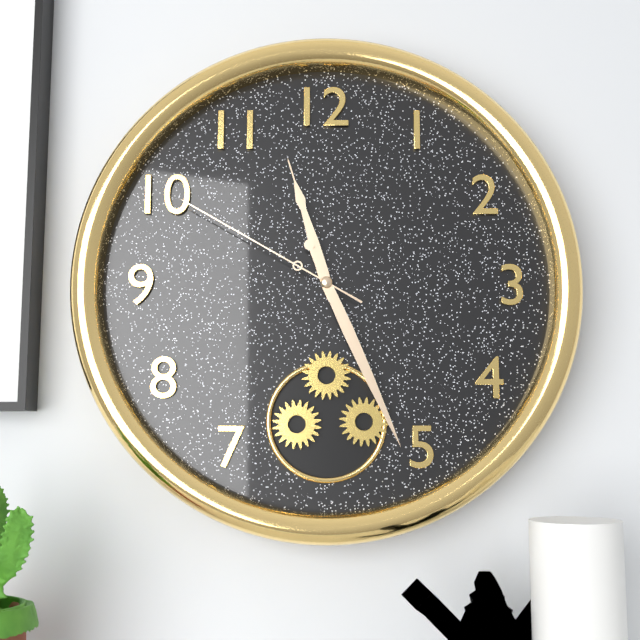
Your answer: **11:26:50**
